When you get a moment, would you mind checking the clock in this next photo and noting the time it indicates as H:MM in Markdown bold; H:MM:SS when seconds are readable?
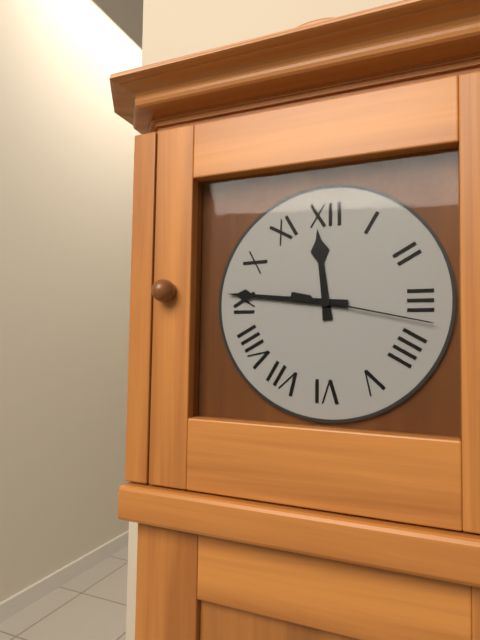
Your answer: **11:46:17**
